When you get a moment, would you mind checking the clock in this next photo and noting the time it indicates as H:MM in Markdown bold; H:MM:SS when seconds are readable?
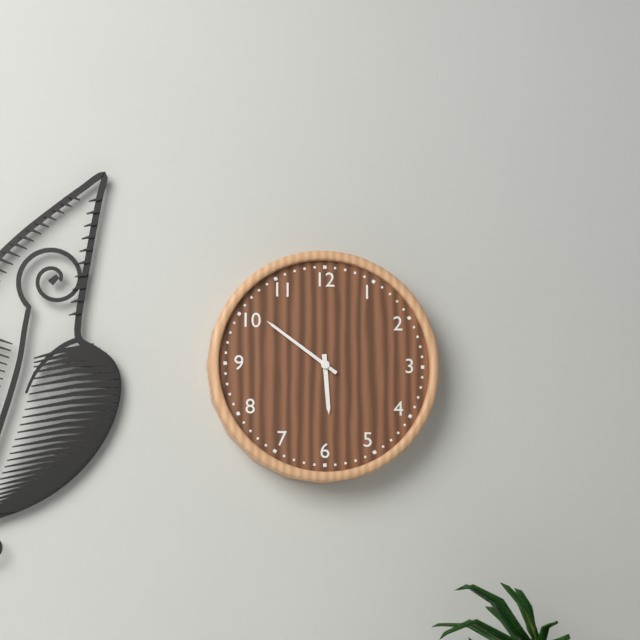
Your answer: **5:51**
